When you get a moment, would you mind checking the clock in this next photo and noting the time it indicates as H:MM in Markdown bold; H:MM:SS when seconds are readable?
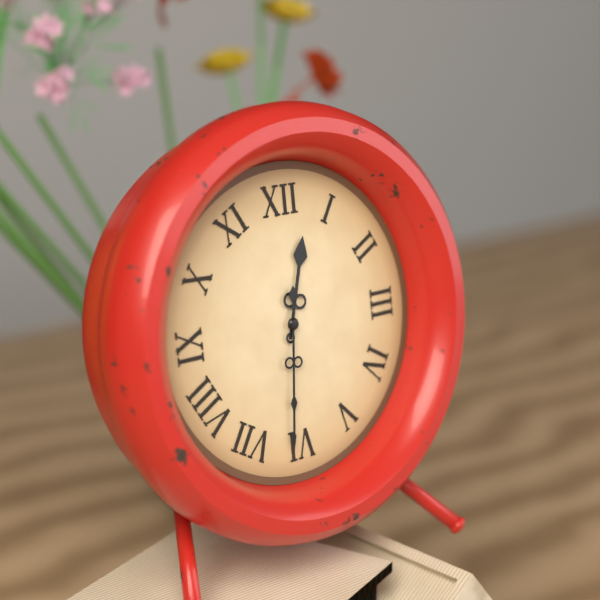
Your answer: **12:31**
